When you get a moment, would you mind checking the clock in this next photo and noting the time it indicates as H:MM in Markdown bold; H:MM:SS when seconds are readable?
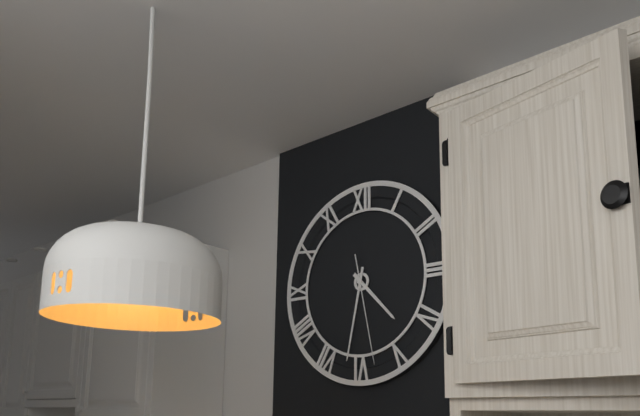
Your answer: **4:32:28**
